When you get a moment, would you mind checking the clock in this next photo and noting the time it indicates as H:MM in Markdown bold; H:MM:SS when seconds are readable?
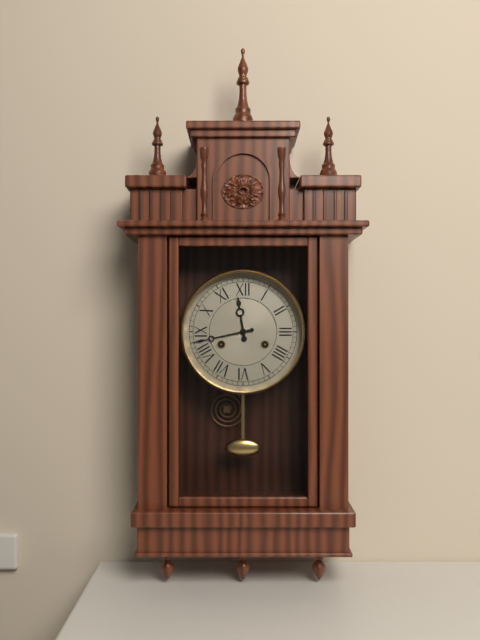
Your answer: **11:43**
